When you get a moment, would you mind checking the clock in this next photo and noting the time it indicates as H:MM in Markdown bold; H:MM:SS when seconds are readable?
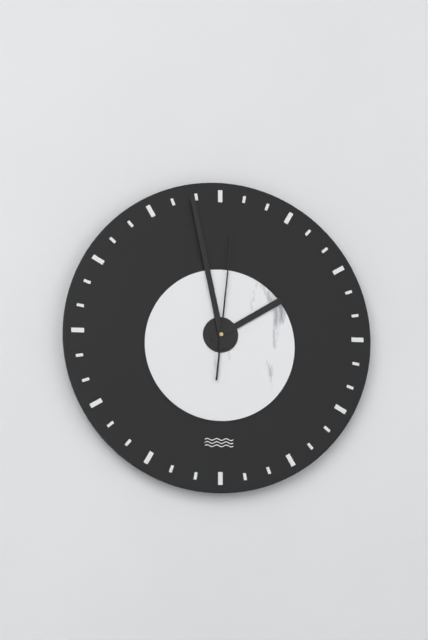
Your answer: **1:58:01**
